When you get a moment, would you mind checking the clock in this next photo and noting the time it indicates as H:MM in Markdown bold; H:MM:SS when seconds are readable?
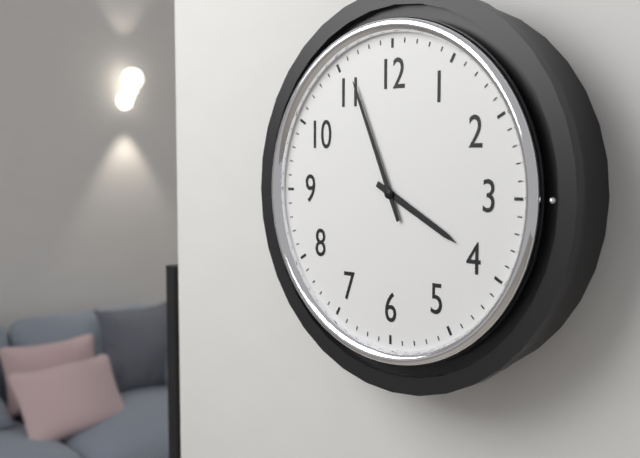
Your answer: **3:56**
